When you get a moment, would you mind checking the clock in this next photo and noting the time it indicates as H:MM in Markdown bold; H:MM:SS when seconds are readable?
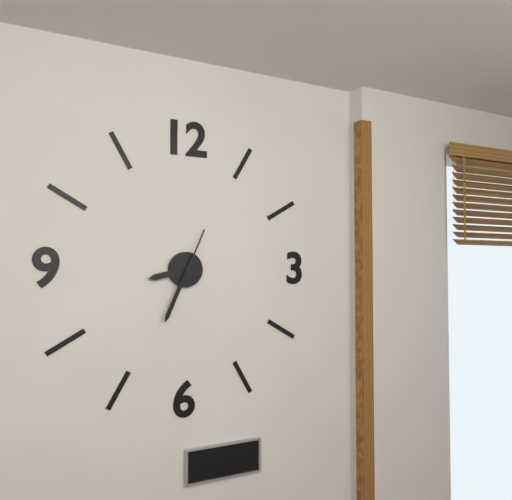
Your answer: **8:34:04**
